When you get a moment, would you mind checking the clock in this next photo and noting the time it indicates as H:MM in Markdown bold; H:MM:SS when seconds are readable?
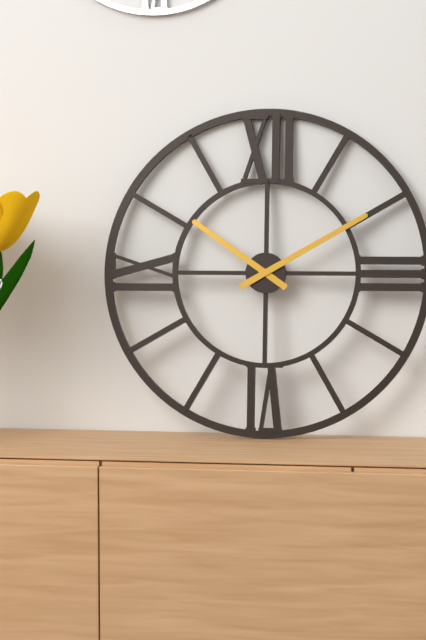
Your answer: **10:10**
